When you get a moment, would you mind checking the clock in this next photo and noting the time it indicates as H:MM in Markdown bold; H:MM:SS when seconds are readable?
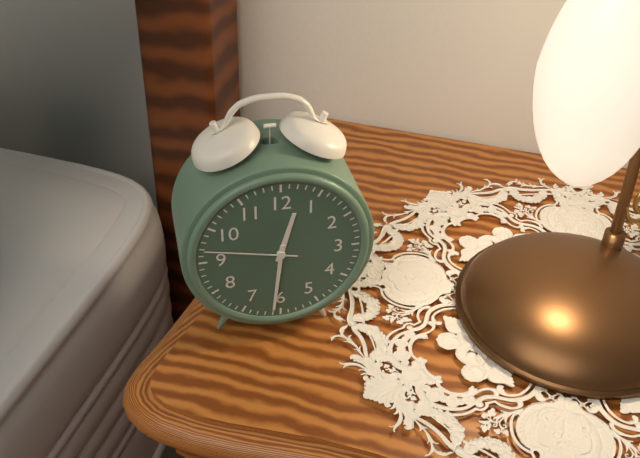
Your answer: **12:31:47**
